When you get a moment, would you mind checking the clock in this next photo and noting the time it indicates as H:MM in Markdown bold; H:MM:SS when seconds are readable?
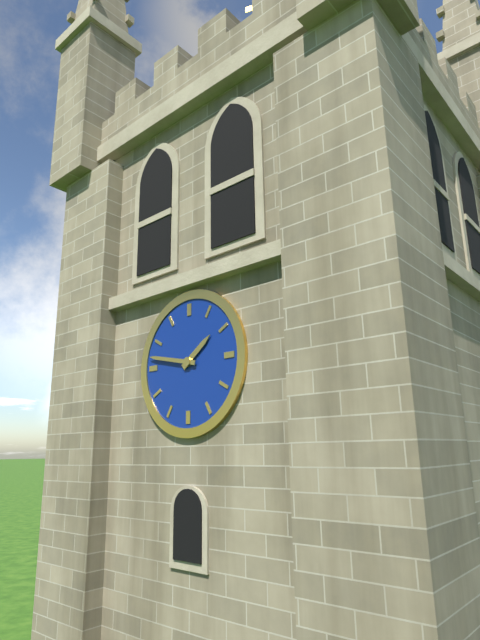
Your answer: **1:47**
